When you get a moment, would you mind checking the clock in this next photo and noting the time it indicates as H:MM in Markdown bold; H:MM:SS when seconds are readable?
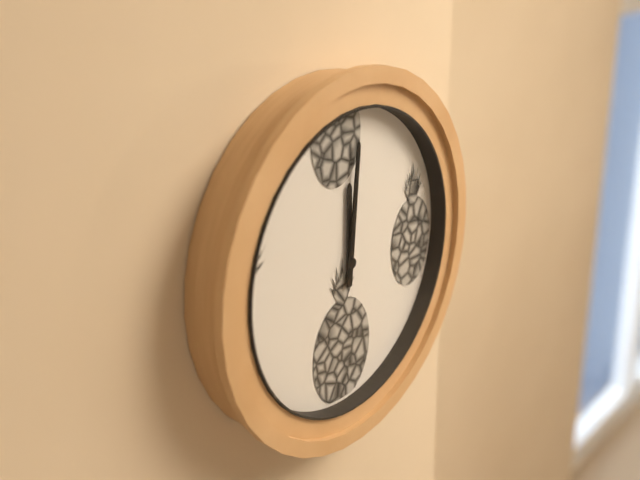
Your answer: **12:01**
